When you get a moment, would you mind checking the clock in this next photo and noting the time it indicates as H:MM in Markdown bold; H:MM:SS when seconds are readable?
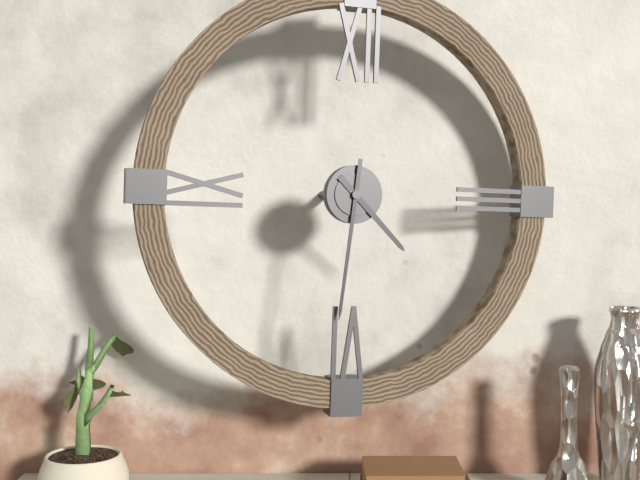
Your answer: **4:31**
